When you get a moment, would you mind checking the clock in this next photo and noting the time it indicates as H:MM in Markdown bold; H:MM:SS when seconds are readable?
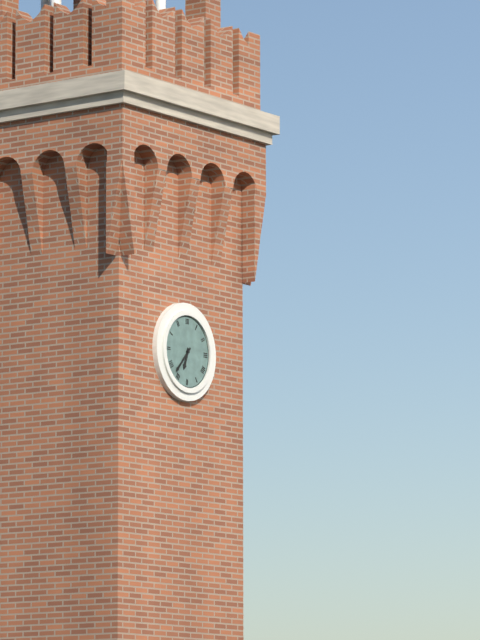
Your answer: **6:37**
